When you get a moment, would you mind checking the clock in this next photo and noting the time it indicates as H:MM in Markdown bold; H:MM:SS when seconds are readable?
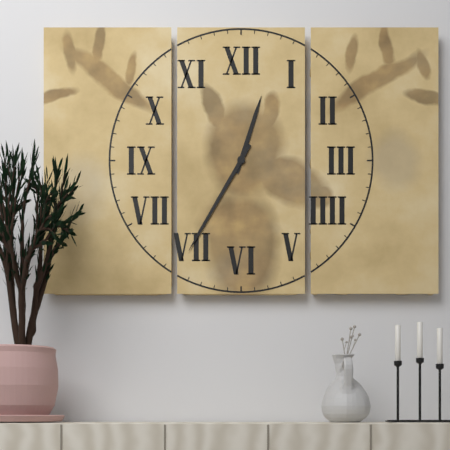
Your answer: **12:35**
